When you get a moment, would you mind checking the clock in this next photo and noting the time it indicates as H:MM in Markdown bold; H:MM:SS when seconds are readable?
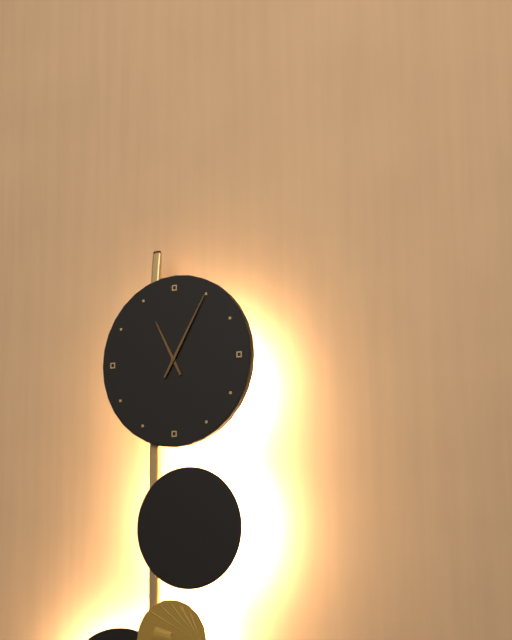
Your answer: **11:05**
